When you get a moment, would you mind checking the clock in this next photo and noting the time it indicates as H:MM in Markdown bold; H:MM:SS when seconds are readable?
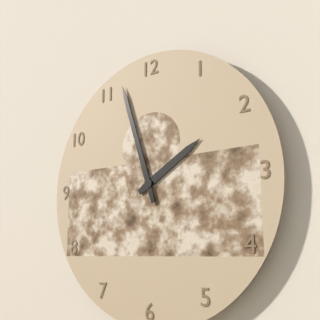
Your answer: **1:57**
